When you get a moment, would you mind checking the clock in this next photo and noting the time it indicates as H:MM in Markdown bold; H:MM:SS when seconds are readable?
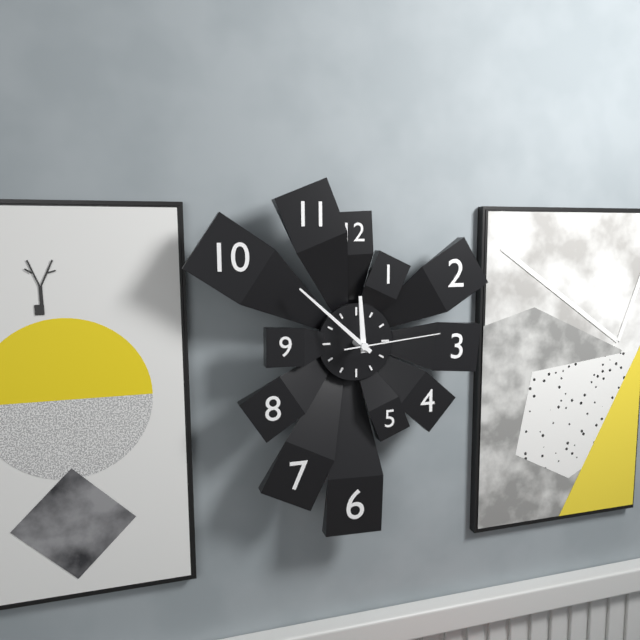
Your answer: **11:52:14**
